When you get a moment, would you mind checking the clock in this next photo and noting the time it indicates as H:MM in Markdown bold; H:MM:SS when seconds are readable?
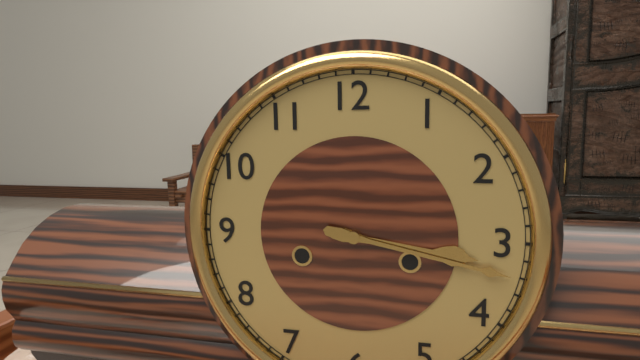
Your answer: **3:17**
